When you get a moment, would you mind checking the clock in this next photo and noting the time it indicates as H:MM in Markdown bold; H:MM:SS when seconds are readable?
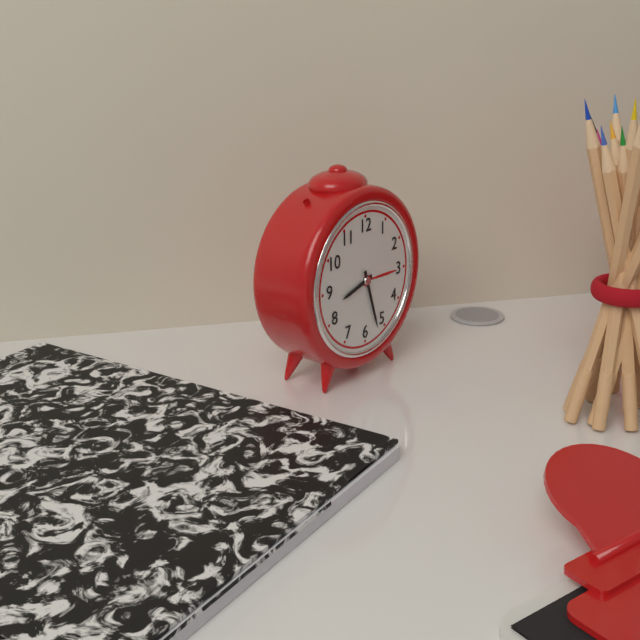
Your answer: **8:27**
